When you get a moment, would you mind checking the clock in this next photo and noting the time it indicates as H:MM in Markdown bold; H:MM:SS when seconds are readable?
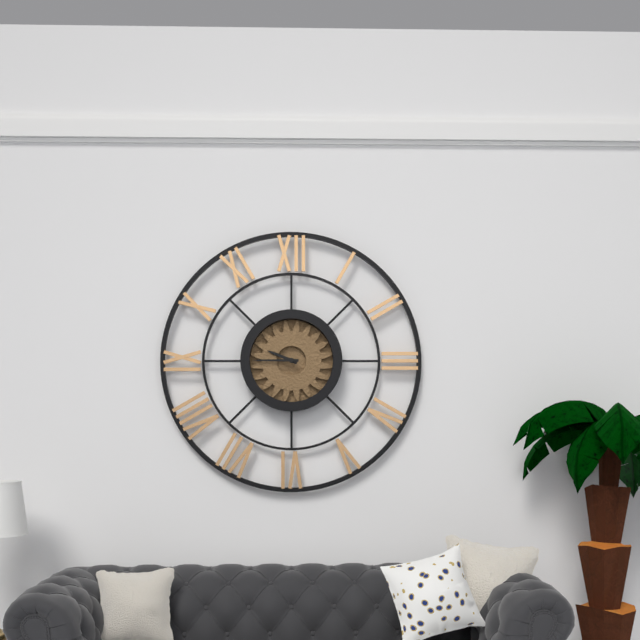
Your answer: **9:45**
